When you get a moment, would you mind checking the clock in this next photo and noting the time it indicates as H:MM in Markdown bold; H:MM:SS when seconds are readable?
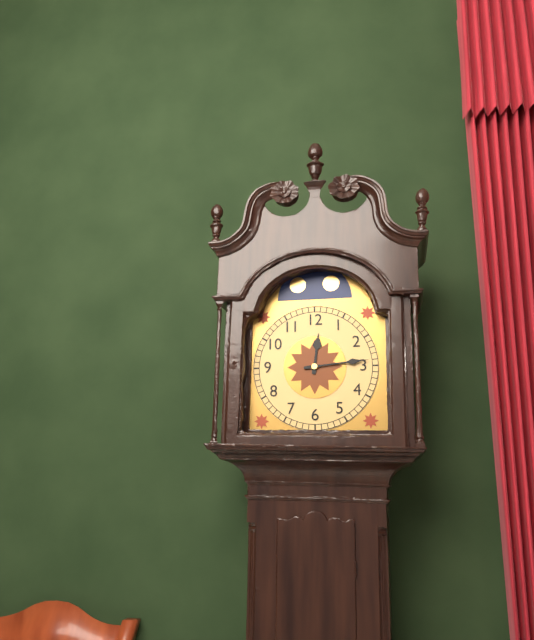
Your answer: **12:14**
